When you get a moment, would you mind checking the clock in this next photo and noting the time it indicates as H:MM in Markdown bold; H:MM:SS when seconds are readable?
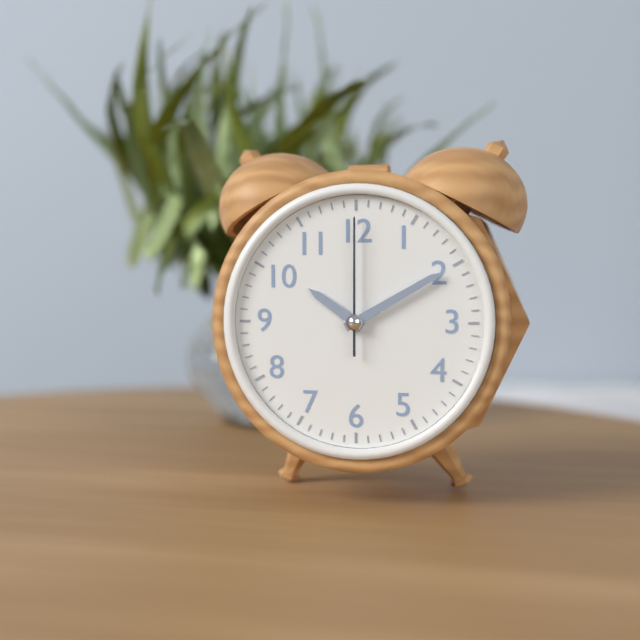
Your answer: **10:10:00**
